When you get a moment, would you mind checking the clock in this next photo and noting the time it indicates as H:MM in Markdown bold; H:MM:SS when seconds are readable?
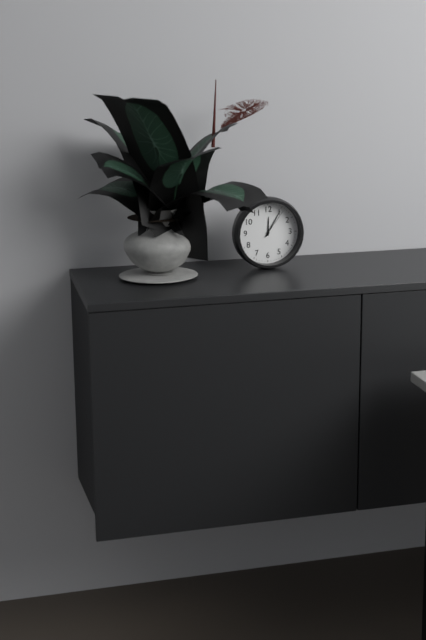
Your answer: **12:05**
